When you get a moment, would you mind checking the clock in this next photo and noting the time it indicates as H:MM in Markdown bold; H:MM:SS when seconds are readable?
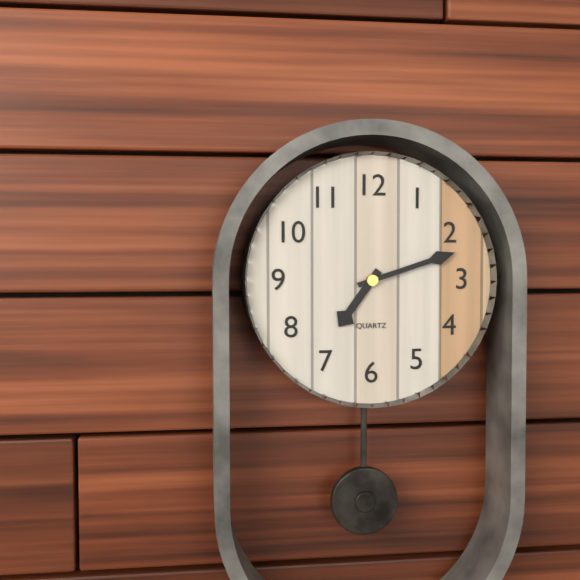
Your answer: **7:12**
